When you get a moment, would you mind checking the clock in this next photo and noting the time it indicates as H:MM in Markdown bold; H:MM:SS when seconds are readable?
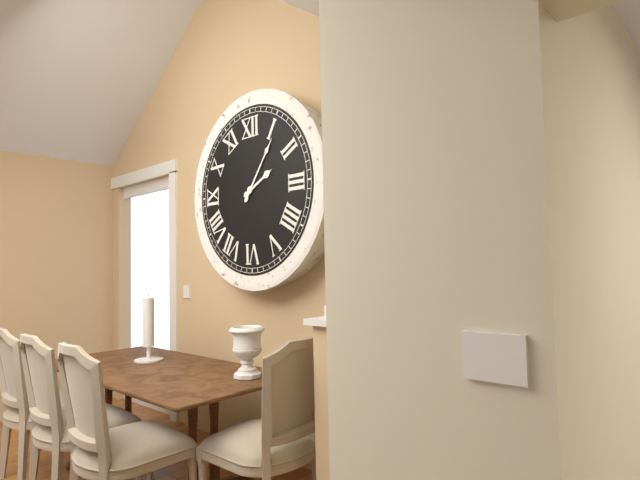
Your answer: **2:06**
